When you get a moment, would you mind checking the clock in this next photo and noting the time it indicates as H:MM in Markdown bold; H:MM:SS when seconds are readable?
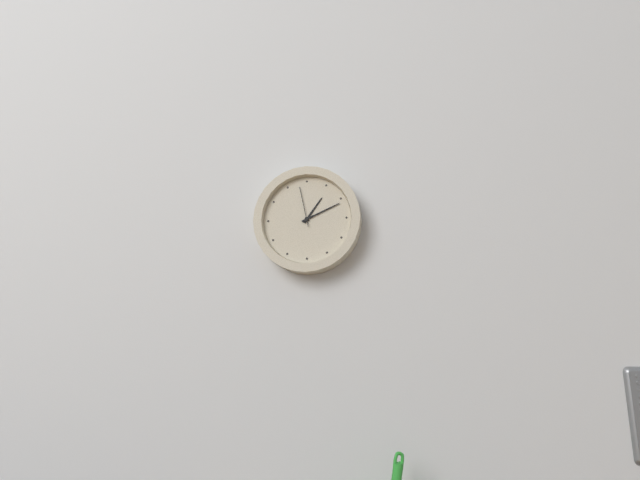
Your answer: **1:11**
